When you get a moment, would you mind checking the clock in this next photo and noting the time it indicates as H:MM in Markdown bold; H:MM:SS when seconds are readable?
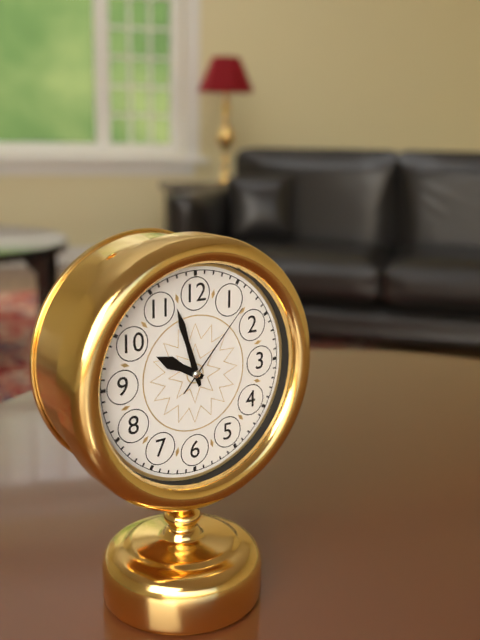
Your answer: **9:57:07**
